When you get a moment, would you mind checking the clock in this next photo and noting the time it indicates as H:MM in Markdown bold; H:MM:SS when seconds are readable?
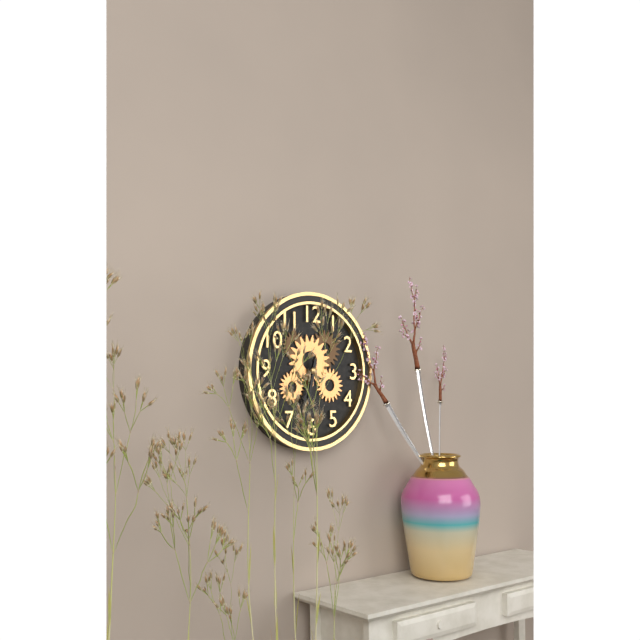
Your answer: **6:32**
